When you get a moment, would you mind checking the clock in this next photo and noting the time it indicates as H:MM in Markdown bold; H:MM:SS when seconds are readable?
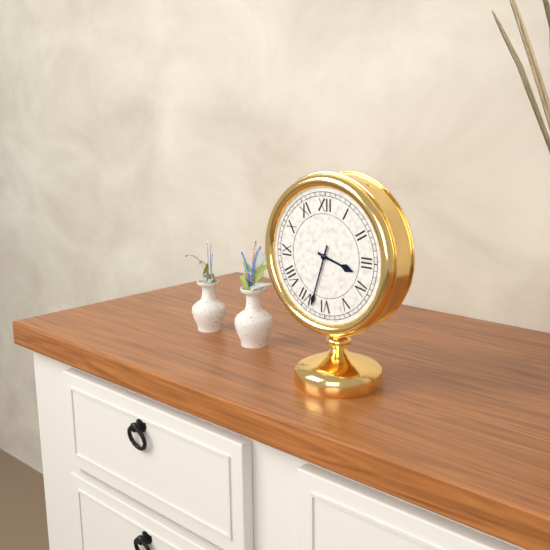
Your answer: **3:33**
